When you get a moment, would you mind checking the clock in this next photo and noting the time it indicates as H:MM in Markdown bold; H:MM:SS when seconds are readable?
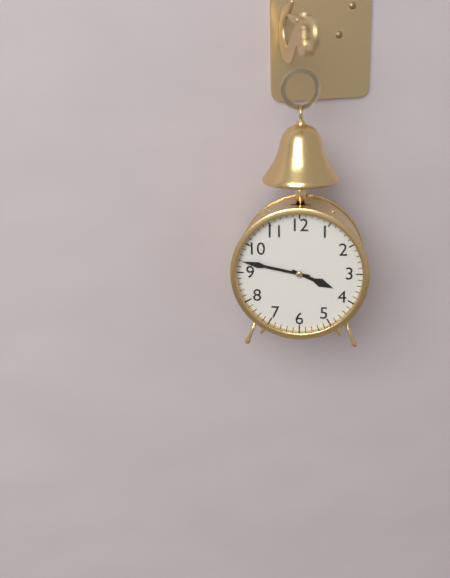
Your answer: **3:47**
